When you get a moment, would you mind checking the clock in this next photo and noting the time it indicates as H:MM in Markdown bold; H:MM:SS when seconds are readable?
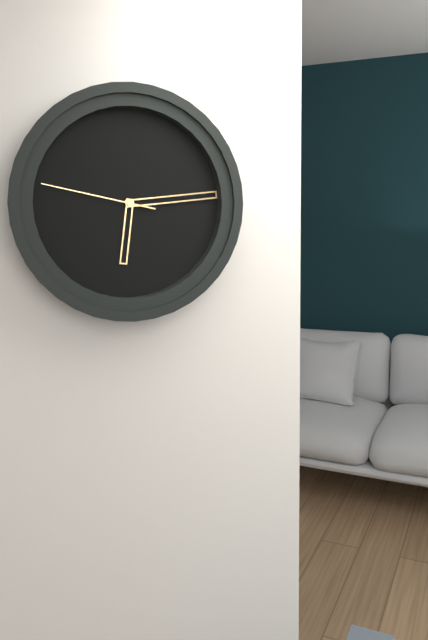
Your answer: **6:14:47**
